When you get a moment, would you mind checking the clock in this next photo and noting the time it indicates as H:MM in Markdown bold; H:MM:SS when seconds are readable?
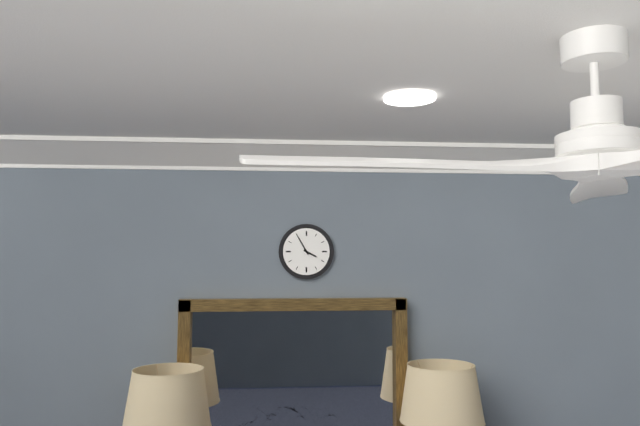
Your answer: **3:55**
